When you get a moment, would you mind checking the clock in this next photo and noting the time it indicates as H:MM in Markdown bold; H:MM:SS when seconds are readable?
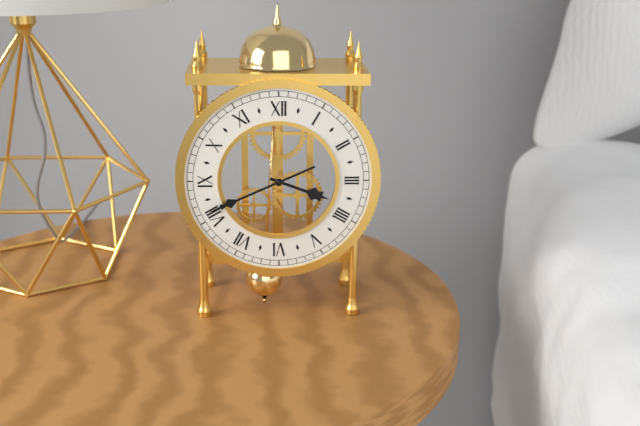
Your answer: **3:41**
